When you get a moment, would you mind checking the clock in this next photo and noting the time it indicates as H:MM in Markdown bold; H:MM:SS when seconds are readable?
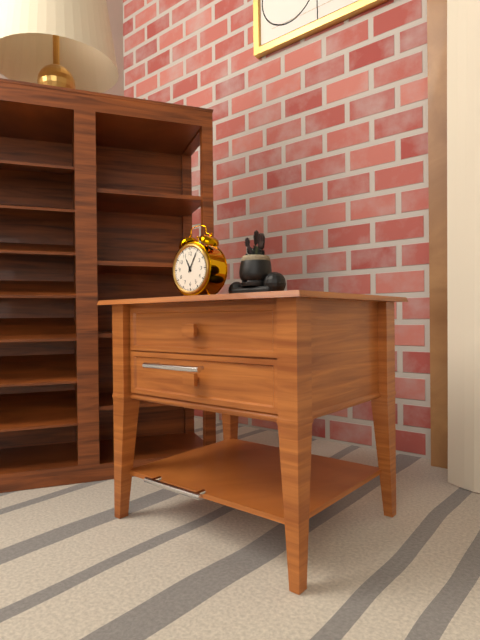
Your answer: **11:05**
